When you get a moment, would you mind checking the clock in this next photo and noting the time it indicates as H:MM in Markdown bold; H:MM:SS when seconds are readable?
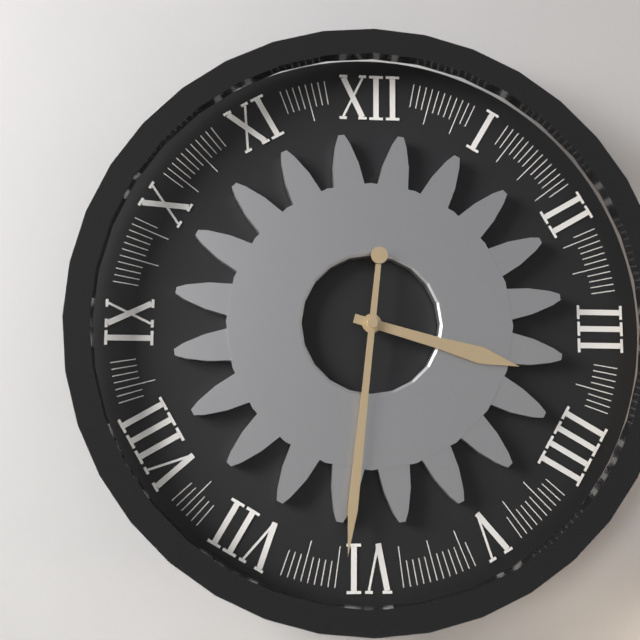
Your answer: **3:31**
